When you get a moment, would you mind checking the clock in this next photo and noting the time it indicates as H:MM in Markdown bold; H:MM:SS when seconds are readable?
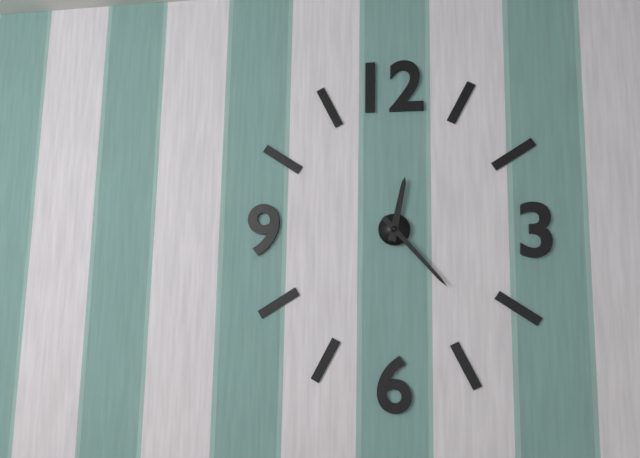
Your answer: **12:23**
